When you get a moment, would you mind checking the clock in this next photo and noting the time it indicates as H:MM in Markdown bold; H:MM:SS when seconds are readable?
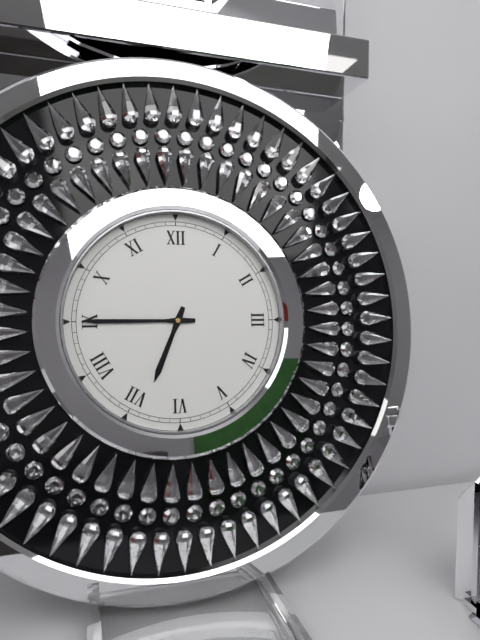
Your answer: **6:45**
